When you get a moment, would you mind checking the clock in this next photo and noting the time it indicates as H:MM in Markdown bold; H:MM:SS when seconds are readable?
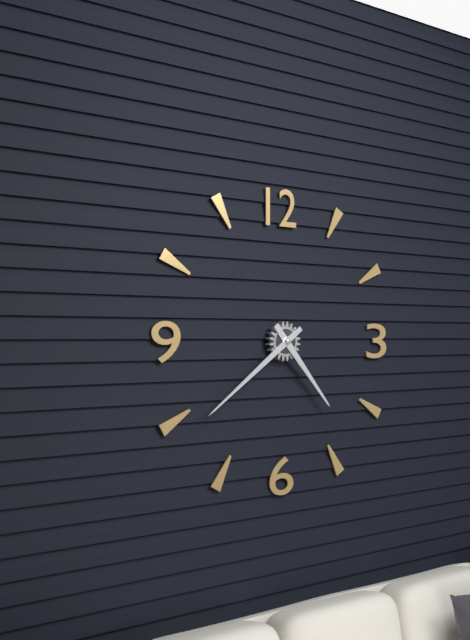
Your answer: **4:39**
